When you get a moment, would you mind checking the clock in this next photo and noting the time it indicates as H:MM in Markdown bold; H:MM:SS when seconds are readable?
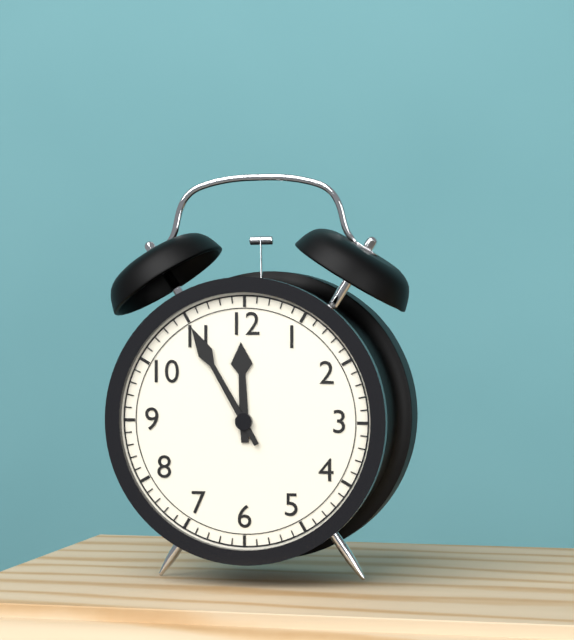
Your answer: **11:55**
